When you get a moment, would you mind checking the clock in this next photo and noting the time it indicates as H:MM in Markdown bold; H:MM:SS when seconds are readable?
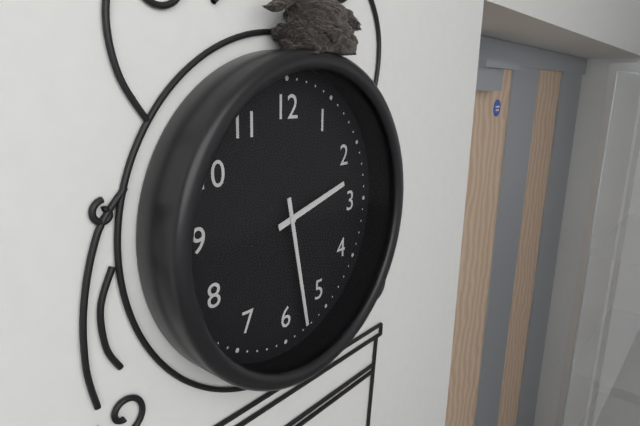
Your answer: **2:28**
